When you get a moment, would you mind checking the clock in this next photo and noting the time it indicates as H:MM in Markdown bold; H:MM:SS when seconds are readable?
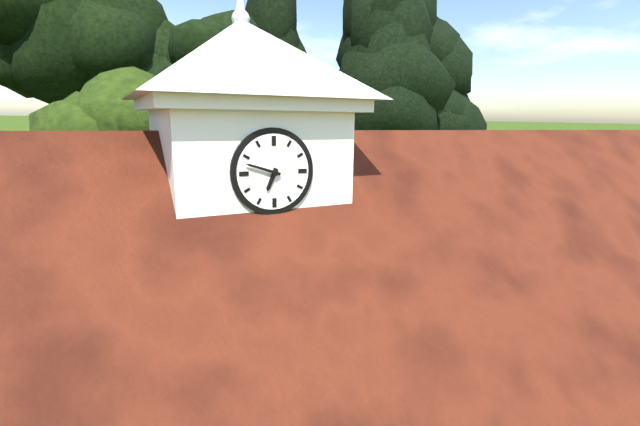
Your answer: **6:48**
